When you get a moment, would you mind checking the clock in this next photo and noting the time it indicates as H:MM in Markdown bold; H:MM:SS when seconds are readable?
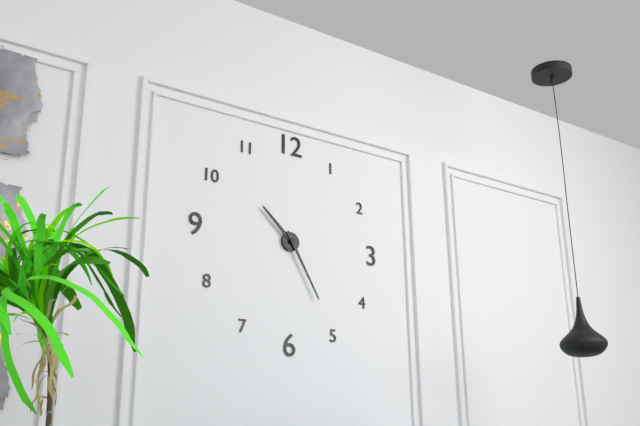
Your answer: **10:25**
